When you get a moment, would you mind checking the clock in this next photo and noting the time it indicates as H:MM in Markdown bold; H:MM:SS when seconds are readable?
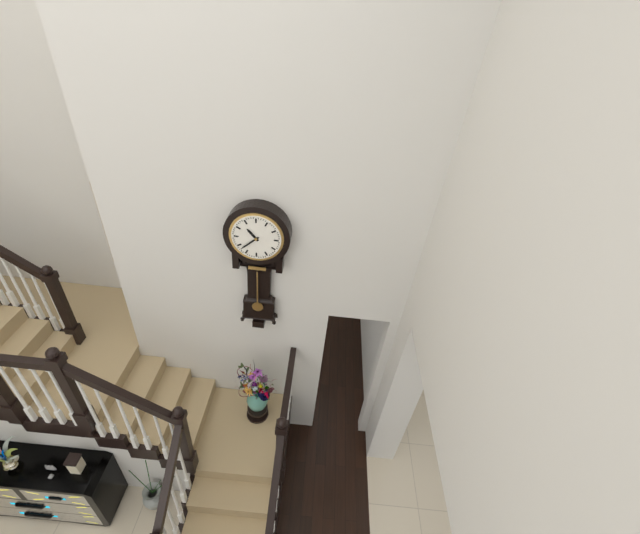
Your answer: **10:38**
